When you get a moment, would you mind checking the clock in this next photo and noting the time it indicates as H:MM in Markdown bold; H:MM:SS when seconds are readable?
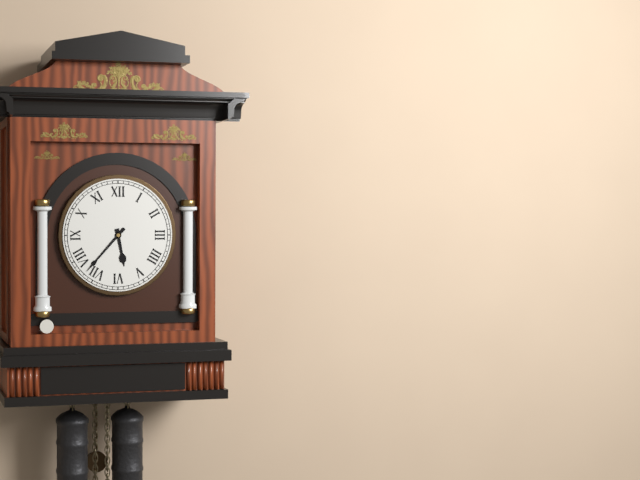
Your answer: **5:37**
